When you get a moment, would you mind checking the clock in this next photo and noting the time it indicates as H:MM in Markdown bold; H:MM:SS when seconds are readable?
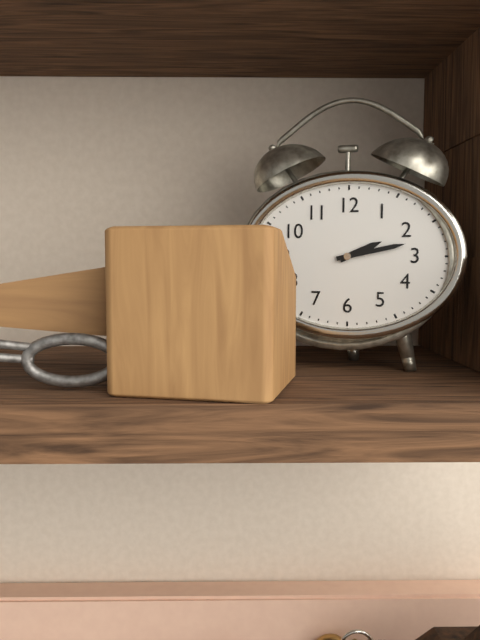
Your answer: **2:13**
